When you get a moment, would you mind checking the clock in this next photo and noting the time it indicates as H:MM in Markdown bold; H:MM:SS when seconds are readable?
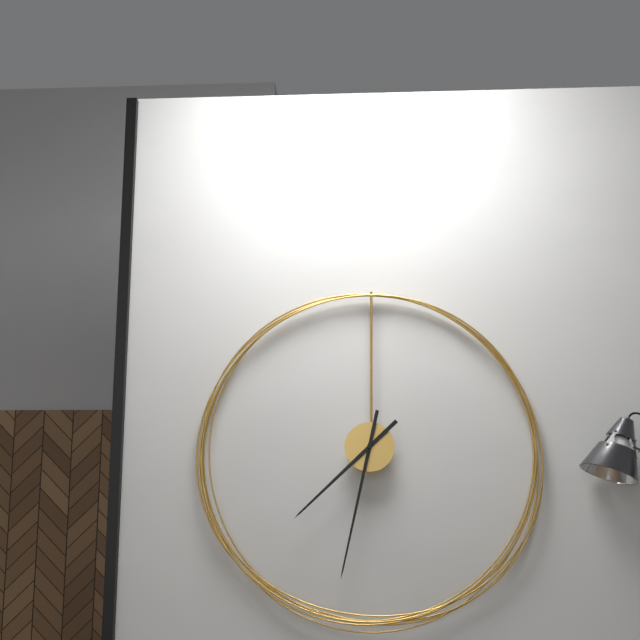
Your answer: **7:32**
